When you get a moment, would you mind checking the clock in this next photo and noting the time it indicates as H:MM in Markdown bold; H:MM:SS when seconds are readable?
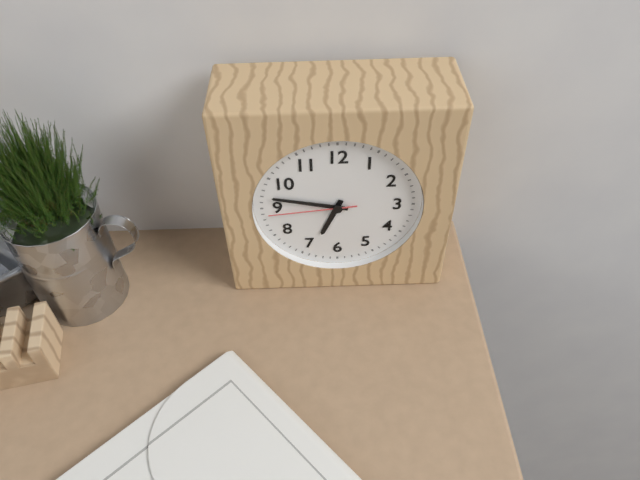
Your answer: **6:47:44**
